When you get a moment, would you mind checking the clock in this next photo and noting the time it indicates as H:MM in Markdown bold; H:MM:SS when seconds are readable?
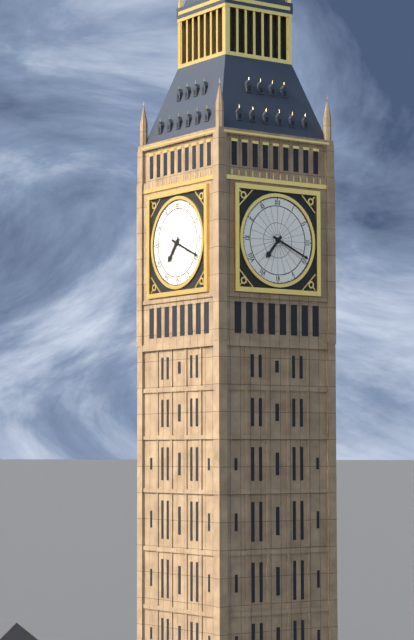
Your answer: **7:19**
